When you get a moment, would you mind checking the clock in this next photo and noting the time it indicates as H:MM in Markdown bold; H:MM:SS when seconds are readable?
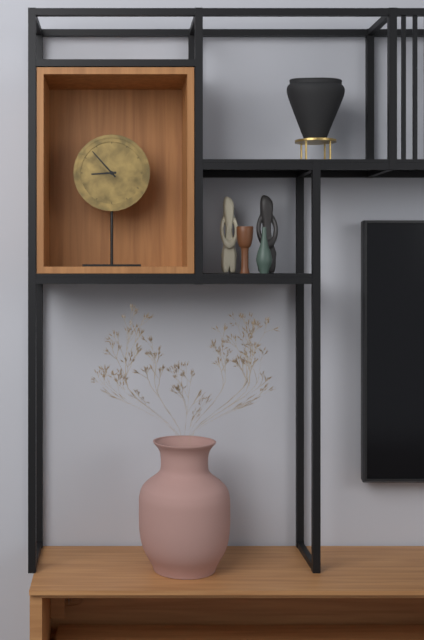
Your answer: **8:53**
